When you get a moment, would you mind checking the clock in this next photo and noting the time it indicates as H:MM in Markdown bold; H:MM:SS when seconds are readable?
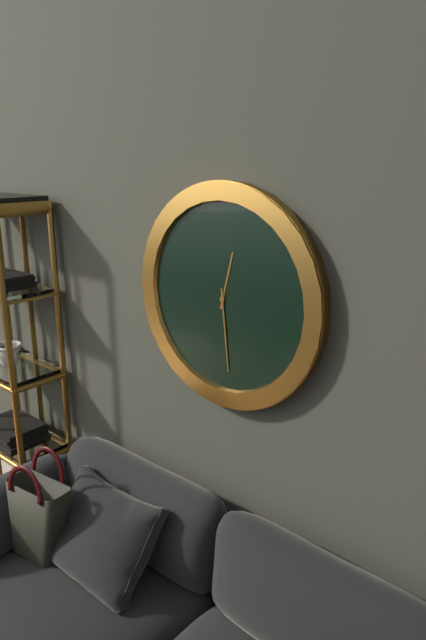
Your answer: **12:29**
